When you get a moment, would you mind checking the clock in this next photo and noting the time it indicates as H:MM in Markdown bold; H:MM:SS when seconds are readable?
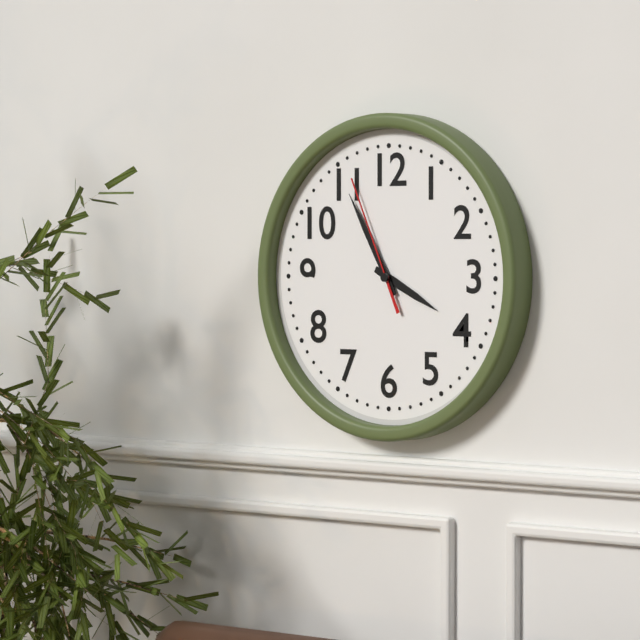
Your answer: **3:55:56**
